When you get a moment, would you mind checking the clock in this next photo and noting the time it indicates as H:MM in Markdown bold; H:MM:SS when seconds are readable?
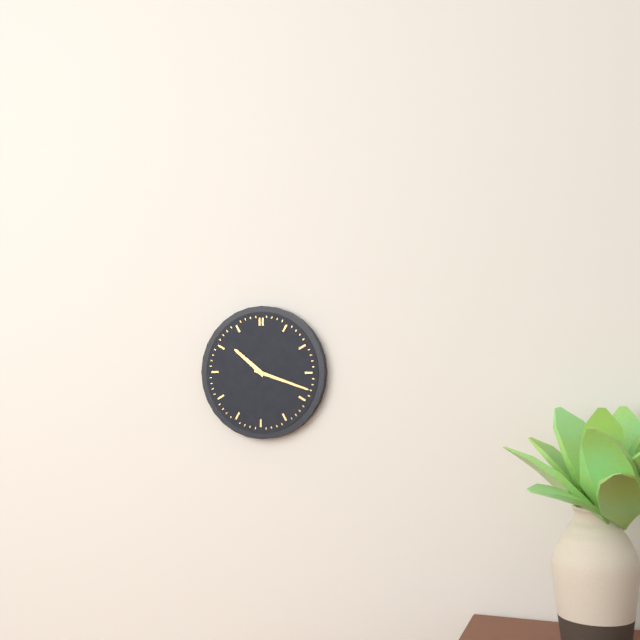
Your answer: **10:18**
